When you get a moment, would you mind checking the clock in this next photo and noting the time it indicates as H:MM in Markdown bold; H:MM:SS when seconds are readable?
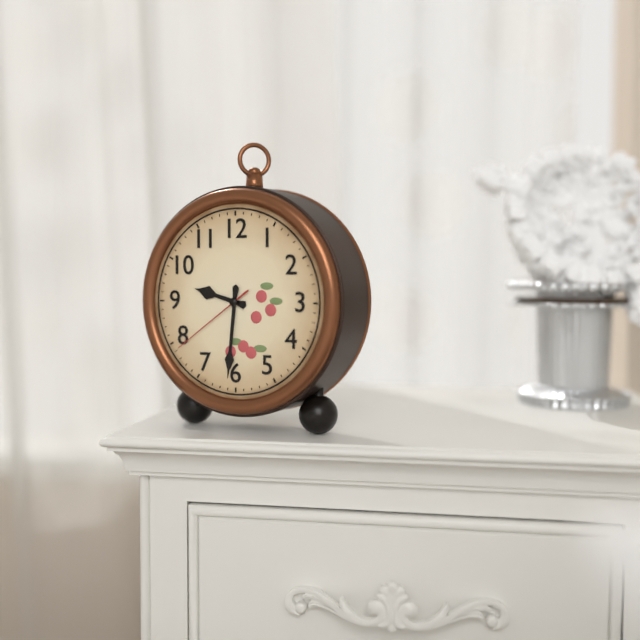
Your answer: **9:31:39**
